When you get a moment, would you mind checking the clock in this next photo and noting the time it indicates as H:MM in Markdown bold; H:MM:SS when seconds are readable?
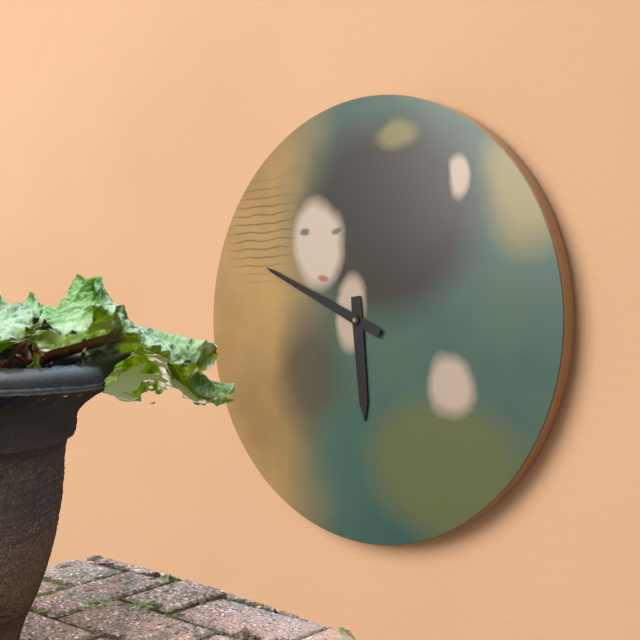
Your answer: **5:49**
